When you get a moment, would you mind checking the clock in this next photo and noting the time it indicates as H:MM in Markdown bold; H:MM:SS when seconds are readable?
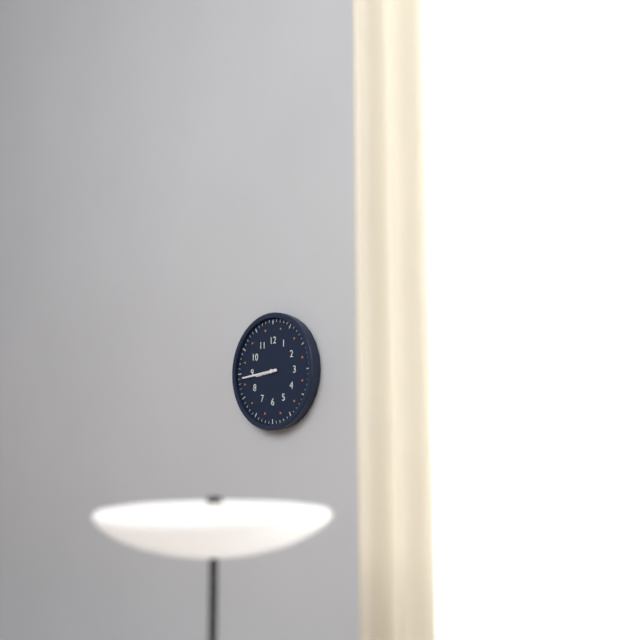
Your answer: **8:44**
